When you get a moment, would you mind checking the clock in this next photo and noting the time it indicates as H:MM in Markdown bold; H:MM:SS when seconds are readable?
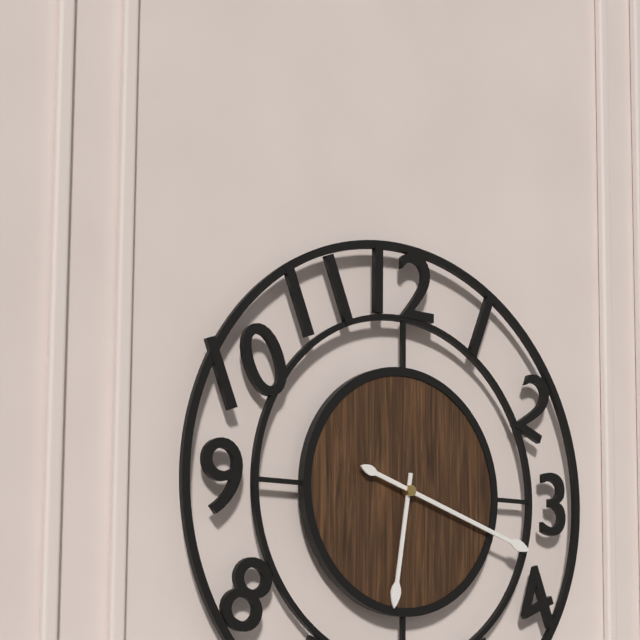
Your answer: **6:18**
